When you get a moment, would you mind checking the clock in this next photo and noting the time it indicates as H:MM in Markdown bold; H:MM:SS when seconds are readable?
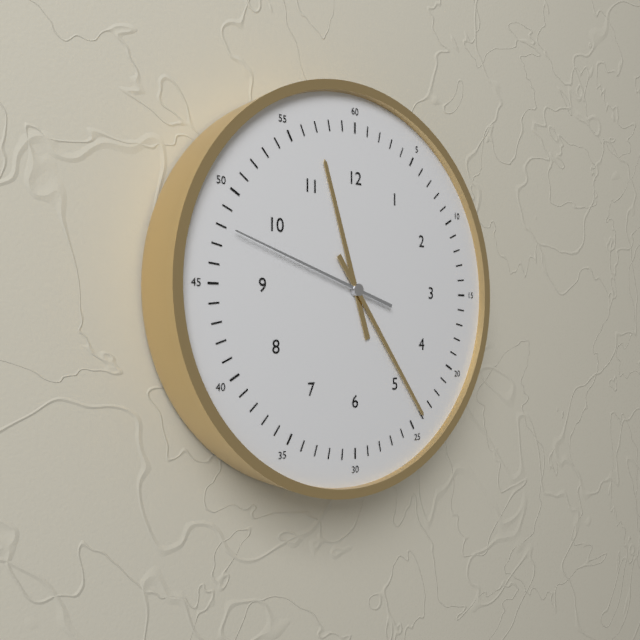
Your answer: **11:24:48**
